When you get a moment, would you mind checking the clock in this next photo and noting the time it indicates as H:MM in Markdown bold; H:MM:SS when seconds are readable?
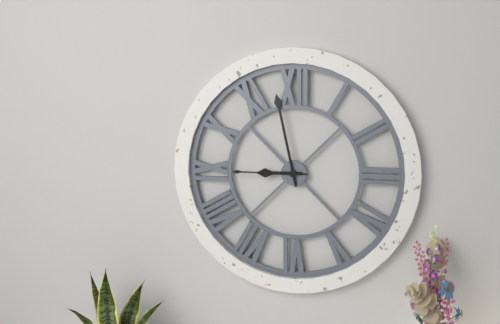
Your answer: **8:58:45**
